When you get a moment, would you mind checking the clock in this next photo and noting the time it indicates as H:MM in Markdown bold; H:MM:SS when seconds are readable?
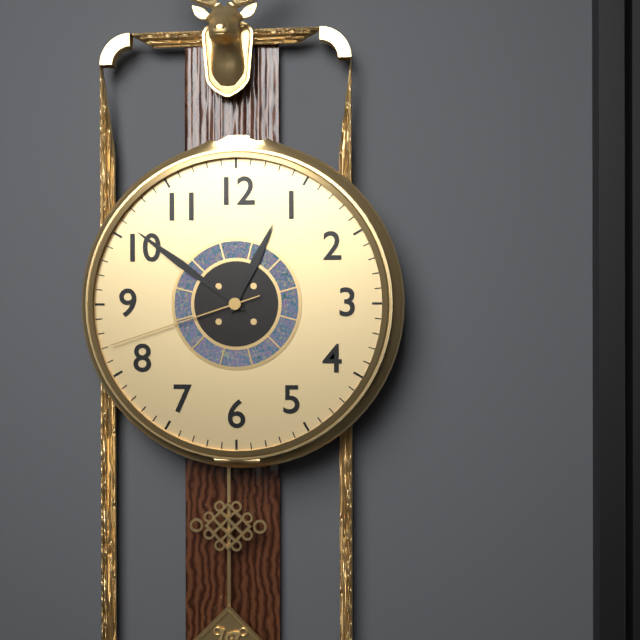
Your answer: **12:51:42**
